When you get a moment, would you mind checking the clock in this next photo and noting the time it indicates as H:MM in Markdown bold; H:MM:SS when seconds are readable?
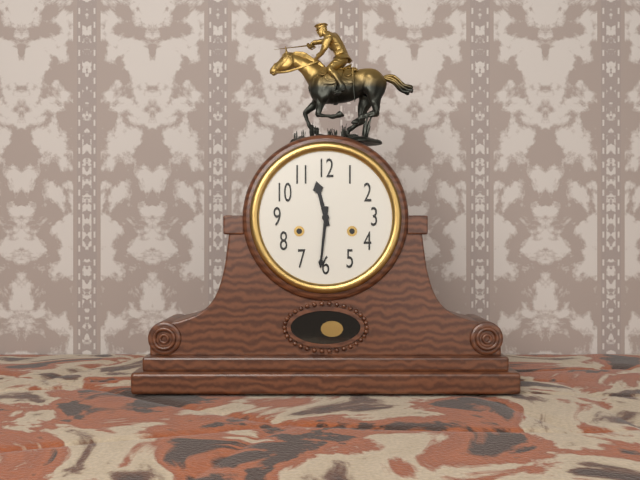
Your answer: **11:31**
